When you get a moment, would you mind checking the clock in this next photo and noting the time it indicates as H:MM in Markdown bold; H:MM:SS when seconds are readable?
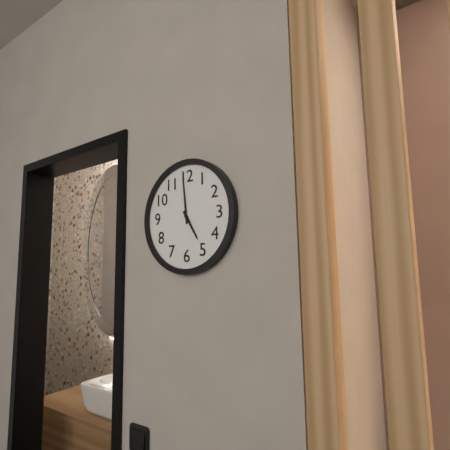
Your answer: **4:59**
